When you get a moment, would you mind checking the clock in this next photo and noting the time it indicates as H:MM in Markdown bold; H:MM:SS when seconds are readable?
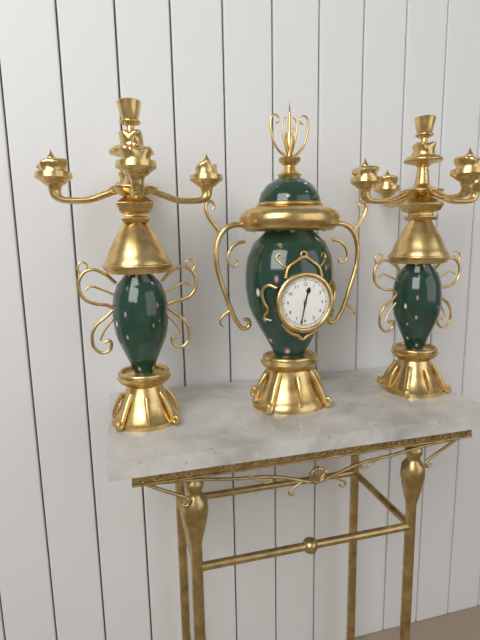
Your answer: **12:32**
